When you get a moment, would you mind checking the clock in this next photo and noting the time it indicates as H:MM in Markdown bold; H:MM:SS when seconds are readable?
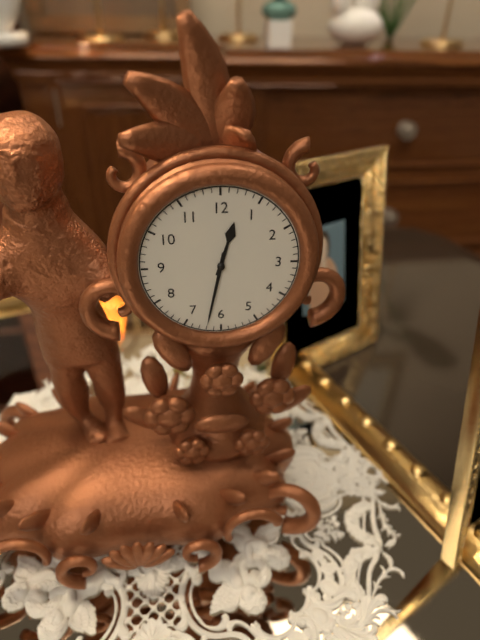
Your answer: **12:32**
